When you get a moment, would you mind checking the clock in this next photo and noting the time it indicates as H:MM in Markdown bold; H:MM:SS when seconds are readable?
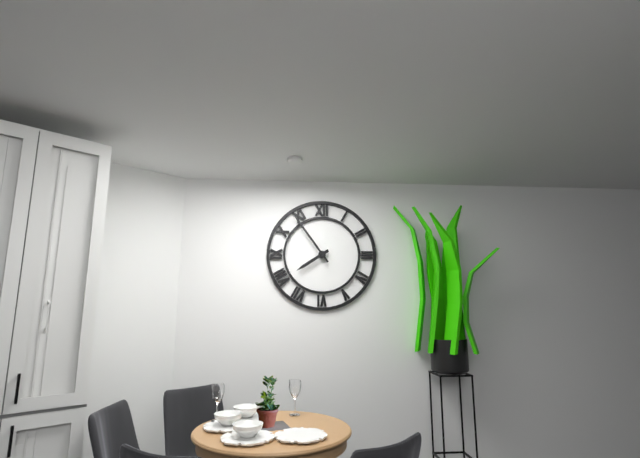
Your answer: **7:54**
